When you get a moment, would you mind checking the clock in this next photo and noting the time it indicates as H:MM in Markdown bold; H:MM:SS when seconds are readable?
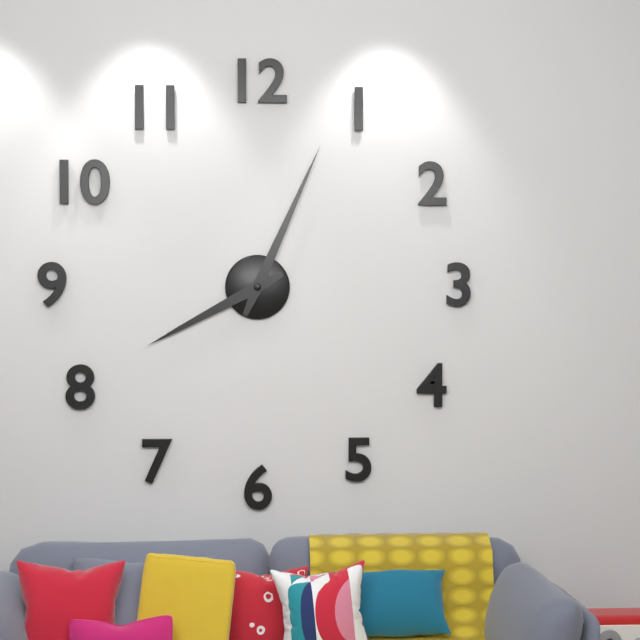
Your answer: **8:04**
